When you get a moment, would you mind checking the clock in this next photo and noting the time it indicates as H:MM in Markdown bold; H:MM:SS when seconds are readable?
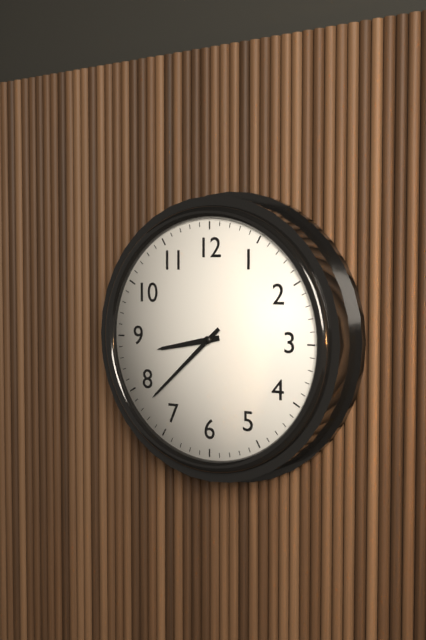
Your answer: **8:38**
